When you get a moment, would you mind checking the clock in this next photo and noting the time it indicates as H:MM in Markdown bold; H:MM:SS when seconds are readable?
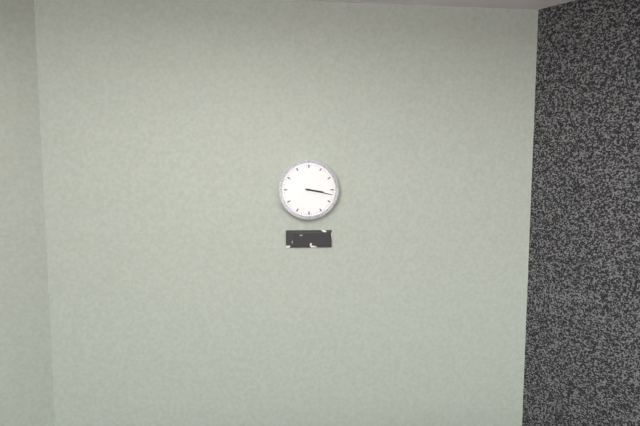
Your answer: **3:17**
